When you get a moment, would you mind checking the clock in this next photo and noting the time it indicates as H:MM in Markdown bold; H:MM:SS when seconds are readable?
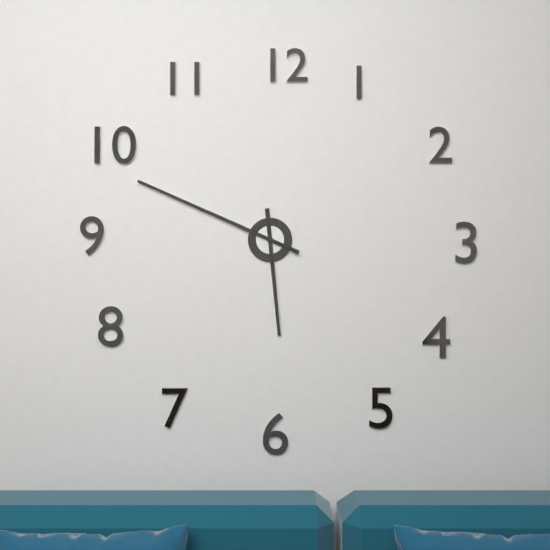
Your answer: **5:49**
